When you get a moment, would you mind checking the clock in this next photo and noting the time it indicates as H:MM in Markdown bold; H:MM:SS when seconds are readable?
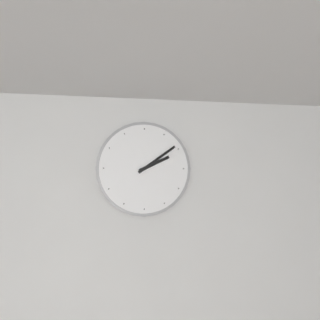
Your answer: **2:09**
